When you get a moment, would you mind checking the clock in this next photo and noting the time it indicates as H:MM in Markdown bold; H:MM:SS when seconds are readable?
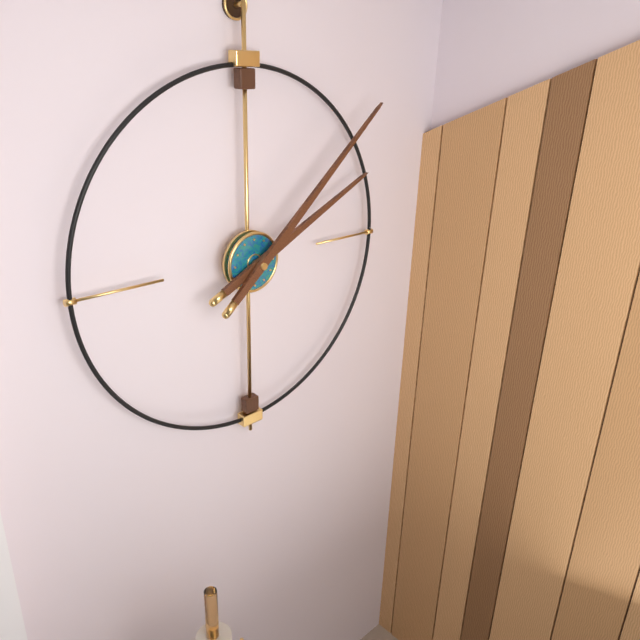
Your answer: **2:08**
